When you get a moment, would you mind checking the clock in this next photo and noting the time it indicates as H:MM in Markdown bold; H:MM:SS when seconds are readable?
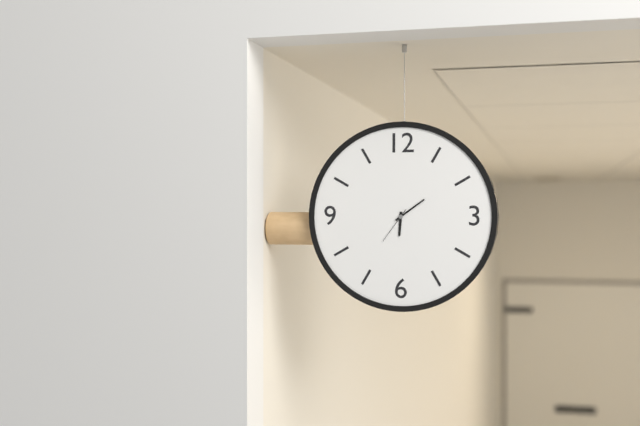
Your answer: **6:09**
